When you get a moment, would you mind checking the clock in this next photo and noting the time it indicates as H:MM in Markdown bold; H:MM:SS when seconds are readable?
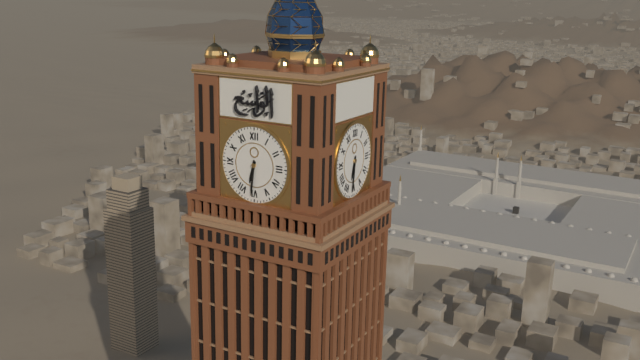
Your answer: **6:31**
